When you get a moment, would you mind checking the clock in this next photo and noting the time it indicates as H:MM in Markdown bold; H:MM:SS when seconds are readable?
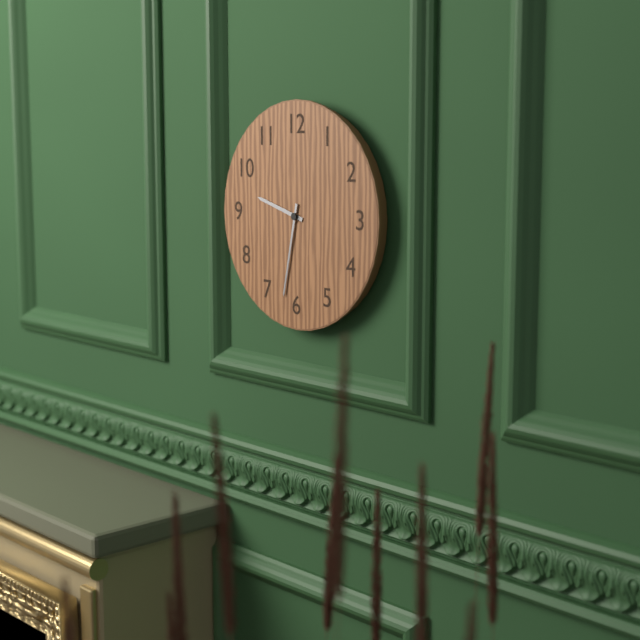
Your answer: **9:32**
